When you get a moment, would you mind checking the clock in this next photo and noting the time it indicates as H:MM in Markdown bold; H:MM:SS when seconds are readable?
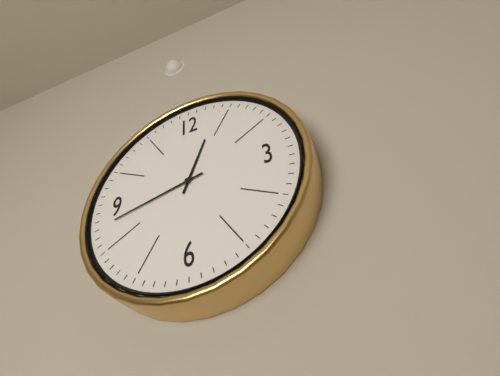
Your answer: **12:43**
